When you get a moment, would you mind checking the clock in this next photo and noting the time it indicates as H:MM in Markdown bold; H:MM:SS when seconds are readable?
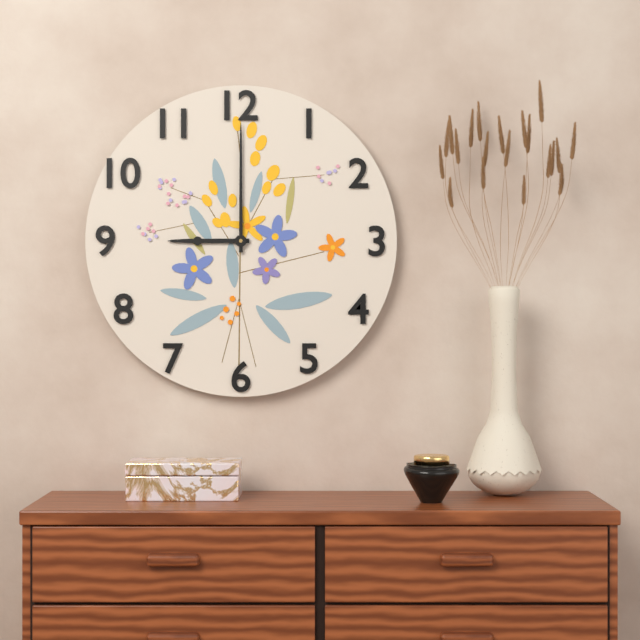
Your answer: **9:00**
